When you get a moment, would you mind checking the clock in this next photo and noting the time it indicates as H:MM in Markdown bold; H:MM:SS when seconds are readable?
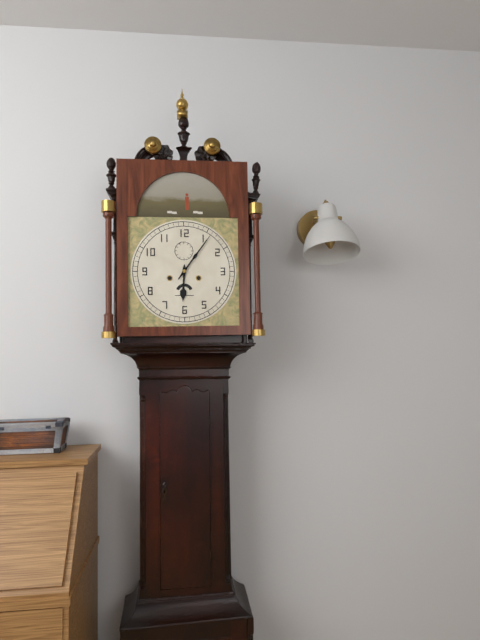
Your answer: **6:06**
